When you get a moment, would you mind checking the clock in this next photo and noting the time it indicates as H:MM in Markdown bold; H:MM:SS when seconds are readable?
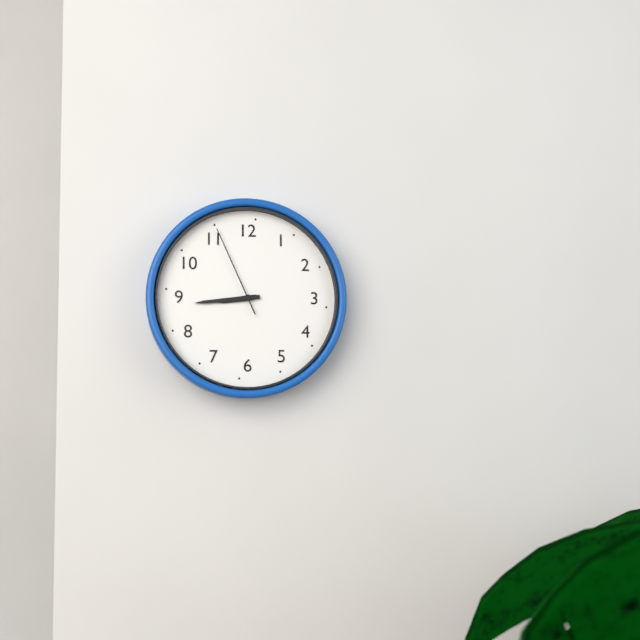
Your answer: **8:44:56**
